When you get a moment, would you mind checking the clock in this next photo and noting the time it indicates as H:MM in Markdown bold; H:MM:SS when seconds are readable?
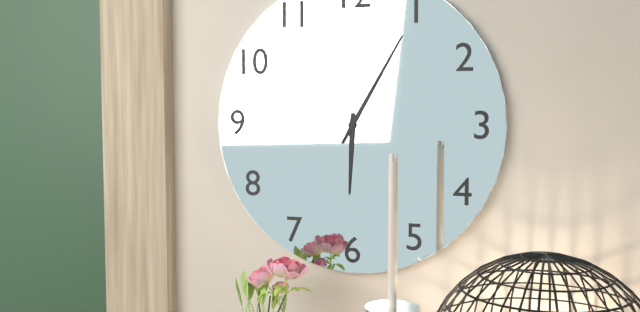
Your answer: **6:05**
